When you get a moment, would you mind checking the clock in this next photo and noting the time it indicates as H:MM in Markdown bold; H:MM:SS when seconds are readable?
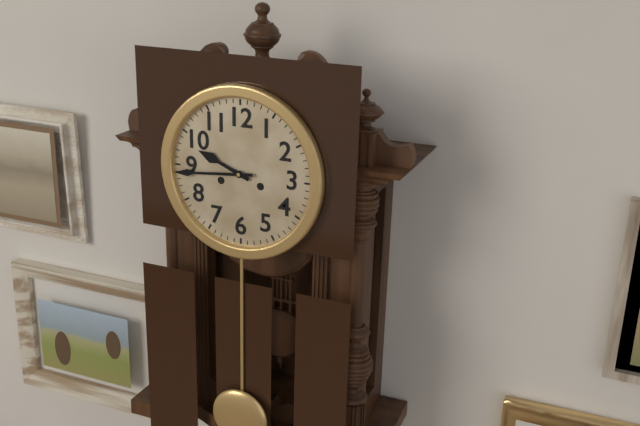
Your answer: **9:44**
